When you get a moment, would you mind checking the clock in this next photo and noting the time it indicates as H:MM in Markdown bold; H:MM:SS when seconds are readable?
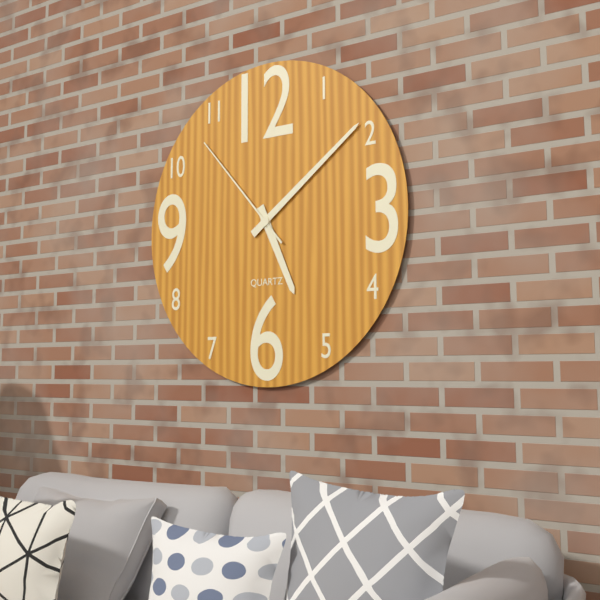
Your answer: **5:09:53**
